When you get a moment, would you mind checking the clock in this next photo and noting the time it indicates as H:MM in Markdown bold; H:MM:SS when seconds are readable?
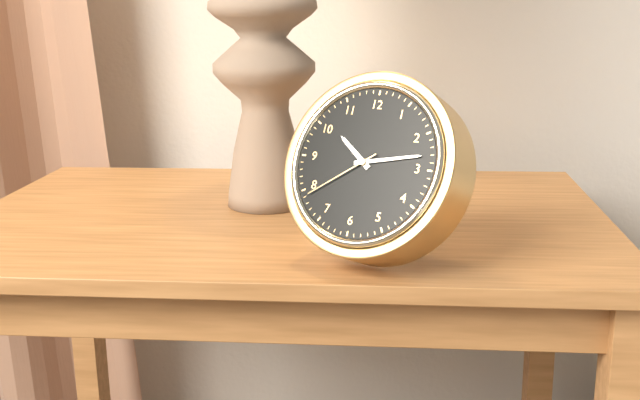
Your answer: **10:13:39**
